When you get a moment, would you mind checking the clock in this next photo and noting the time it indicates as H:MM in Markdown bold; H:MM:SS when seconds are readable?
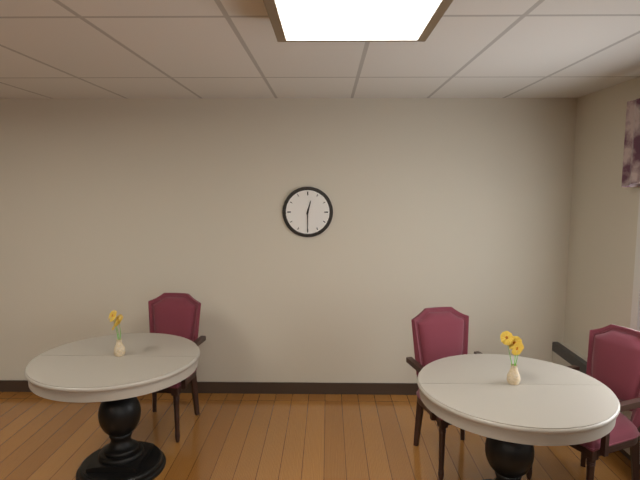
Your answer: **12:30**
